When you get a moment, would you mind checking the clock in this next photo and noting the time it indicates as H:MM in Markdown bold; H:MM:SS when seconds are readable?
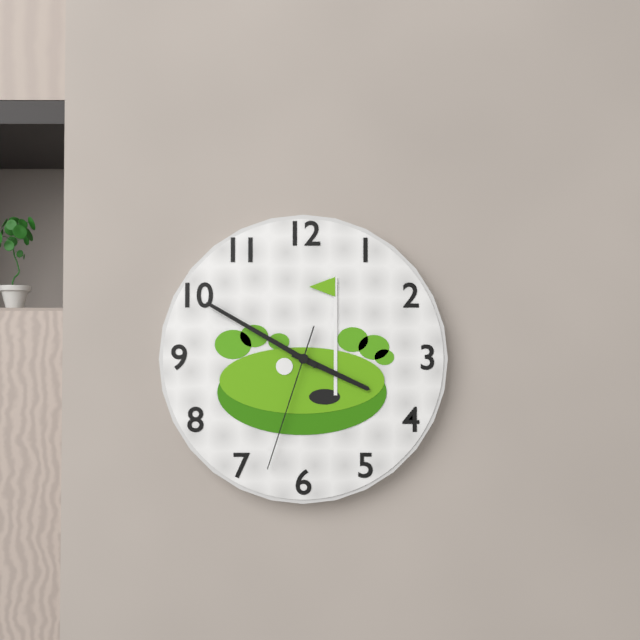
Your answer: **3:50:33**
